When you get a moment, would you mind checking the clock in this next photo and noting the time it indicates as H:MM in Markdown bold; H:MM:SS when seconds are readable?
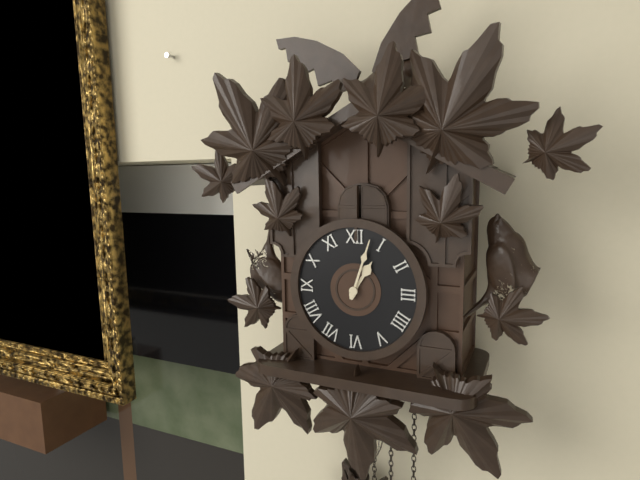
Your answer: **1:03**
